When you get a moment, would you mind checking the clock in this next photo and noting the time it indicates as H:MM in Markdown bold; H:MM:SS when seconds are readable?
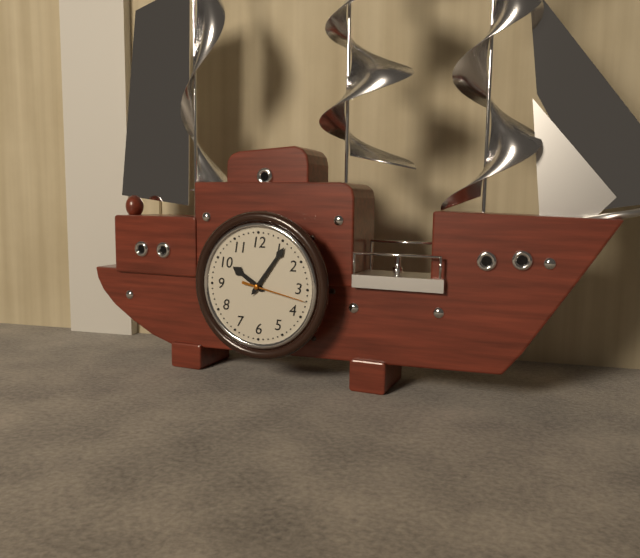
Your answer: **10:06:17**
